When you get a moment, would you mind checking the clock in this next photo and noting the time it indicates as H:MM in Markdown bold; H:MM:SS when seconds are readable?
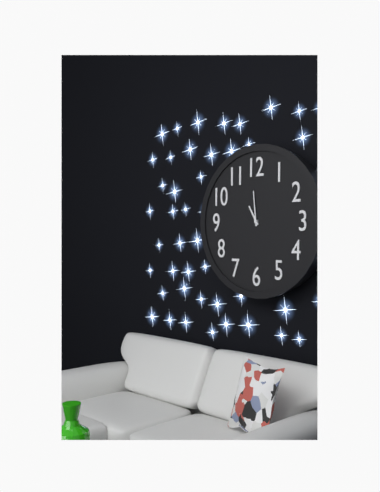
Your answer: **10:59**
